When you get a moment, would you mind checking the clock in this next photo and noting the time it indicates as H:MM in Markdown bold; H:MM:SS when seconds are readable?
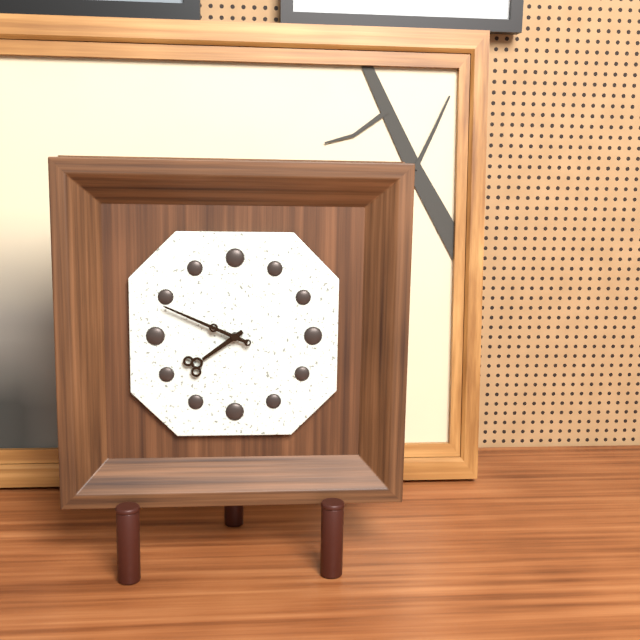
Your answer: **7:49**
